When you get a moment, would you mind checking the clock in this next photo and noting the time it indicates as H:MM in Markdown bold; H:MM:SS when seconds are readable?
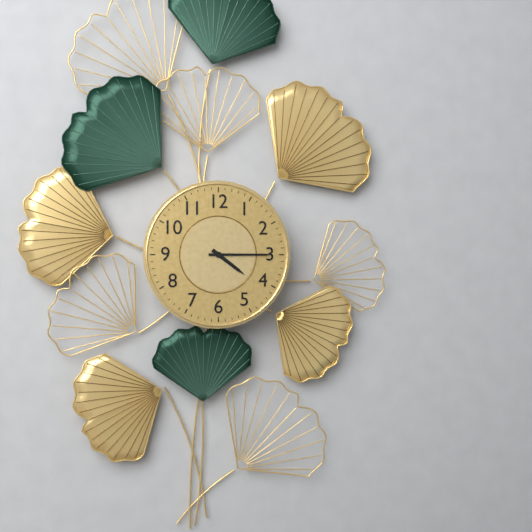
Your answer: **4:15**
